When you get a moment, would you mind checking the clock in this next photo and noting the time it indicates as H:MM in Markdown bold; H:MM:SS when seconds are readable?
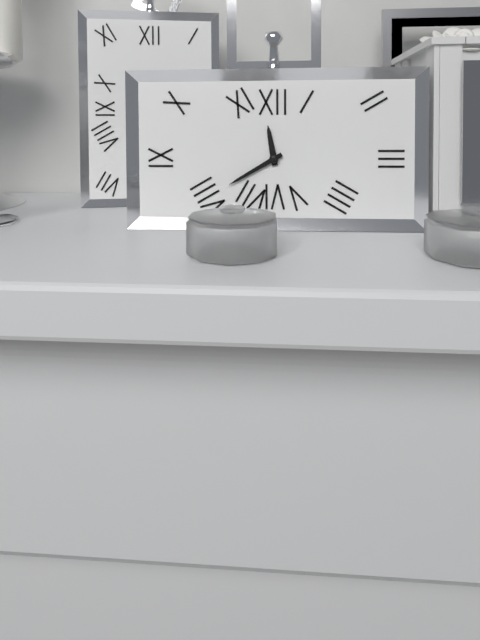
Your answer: **11:40**
